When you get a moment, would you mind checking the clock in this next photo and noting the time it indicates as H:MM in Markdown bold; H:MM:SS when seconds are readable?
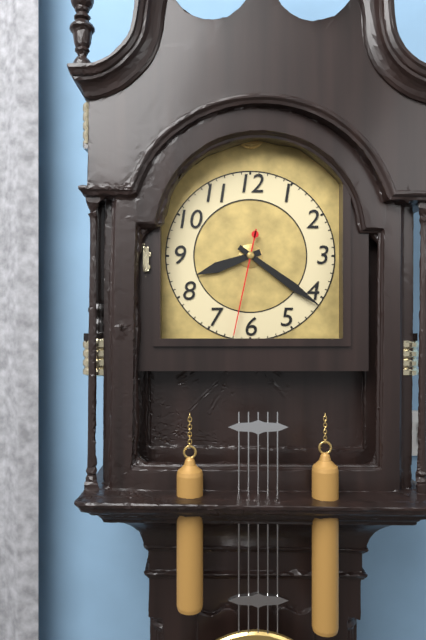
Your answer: **8:21:32**
